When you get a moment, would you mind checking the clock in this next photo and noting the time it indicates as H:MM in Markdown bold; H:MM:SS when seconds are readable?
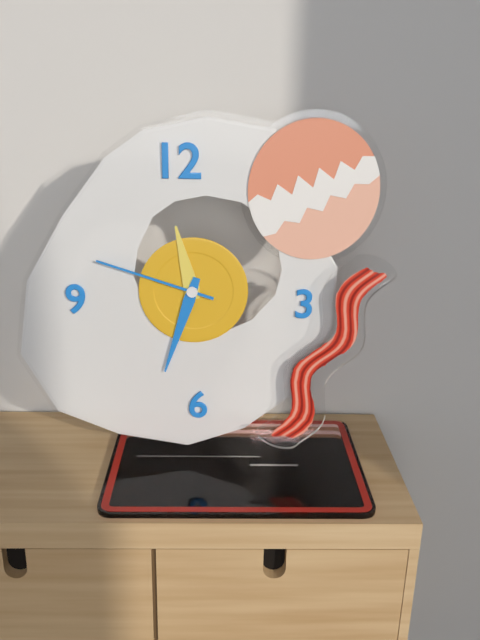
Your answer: **11:33:48**
